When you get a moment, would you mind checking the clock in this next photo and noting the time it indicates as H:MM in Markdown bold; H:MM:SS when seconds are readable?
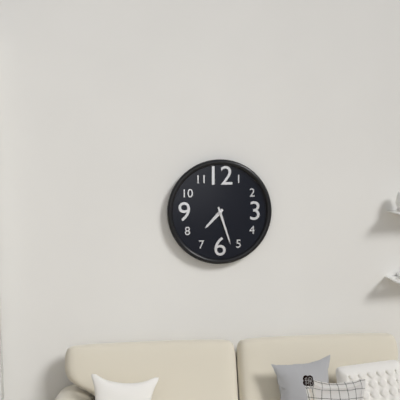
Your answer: **7:27**
